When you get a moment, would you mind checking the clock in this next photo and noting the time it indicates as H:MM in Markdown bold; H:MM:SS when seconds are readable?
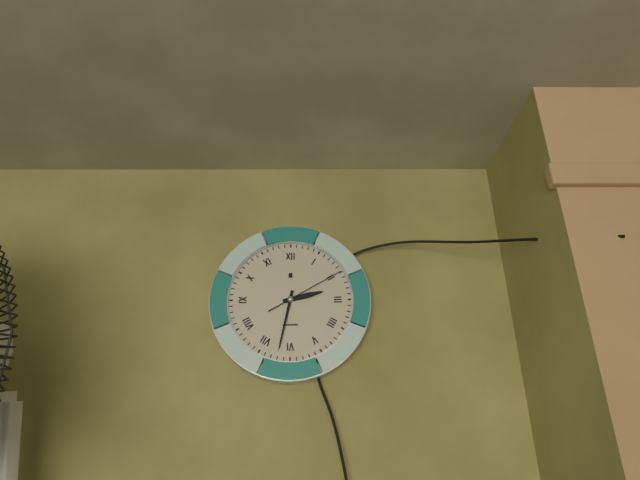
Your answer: **2:32:10**
